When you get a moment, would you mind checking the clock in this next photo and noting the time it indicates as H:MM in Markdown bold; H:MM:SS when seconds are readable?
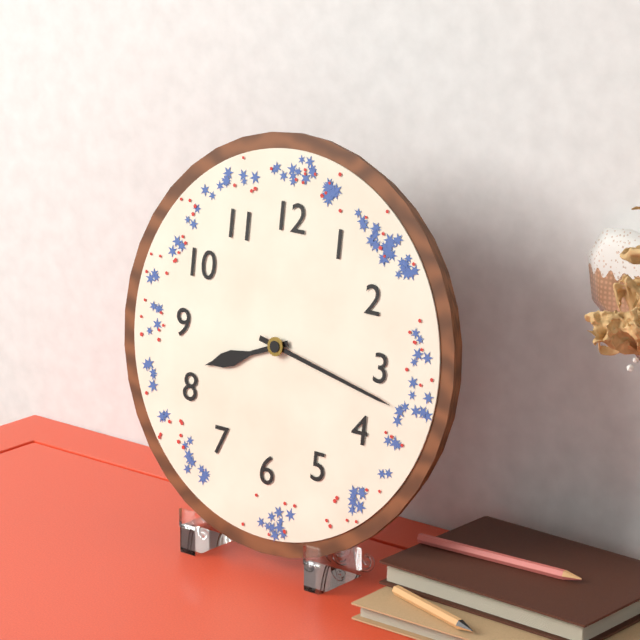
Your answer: **8:17**
